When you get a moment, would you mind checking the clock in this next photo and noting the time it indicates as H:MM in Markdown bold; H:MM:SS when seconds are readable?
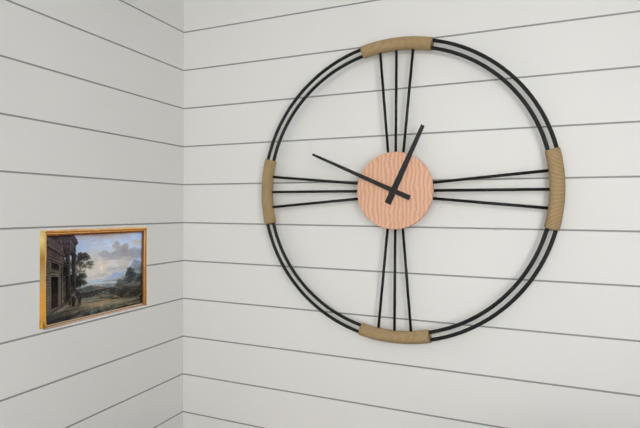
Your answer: **12:49**
